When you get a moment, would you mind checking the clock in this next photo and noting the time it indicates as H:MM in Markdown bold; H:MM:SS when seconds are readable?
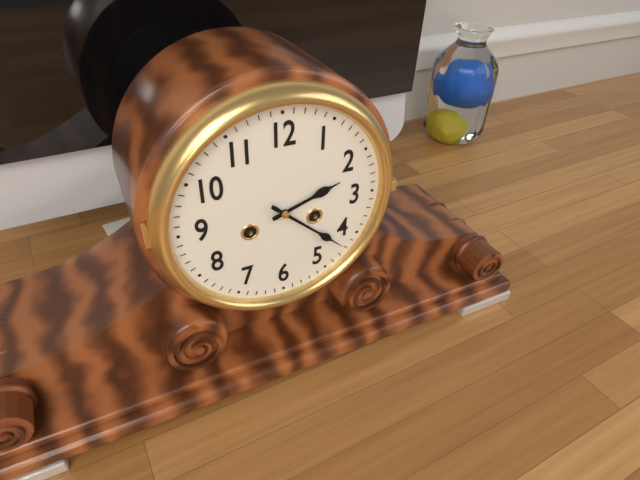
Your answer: **2:22**
